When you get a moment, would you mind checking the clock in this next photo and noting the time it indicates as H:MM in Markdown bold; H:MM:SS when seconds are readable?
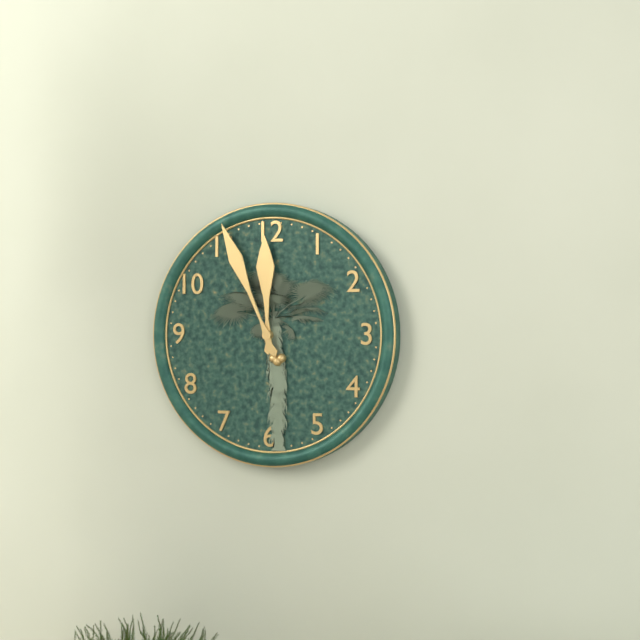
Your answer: **11:56**
